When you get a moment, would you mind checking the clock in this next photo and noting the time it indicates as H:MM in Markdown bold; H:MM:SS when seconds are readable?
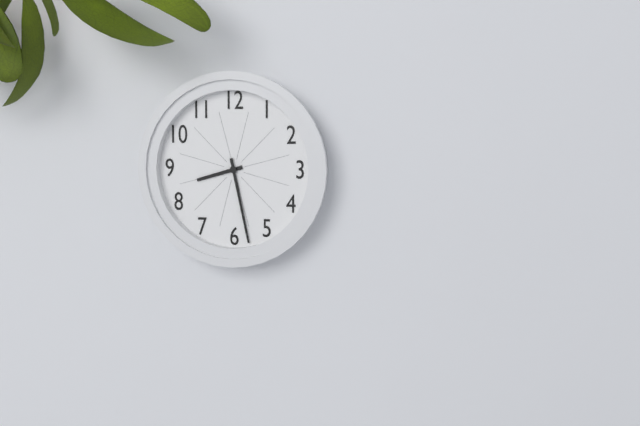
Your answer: **8:28**
